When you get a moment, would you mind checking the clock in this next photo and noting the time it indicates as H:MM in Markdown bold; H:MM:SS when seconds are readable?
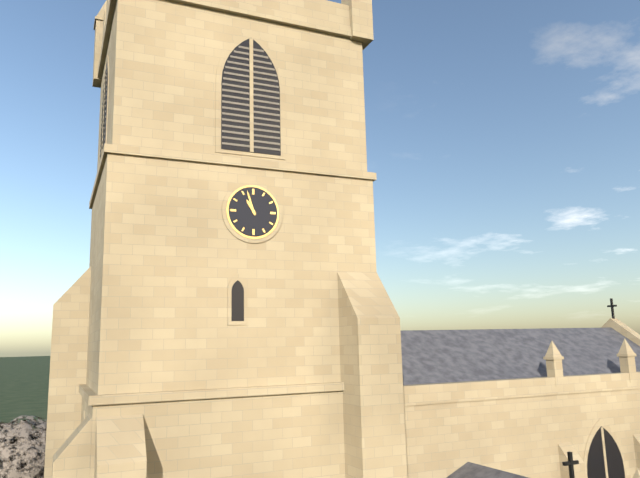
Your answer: **10:57**
